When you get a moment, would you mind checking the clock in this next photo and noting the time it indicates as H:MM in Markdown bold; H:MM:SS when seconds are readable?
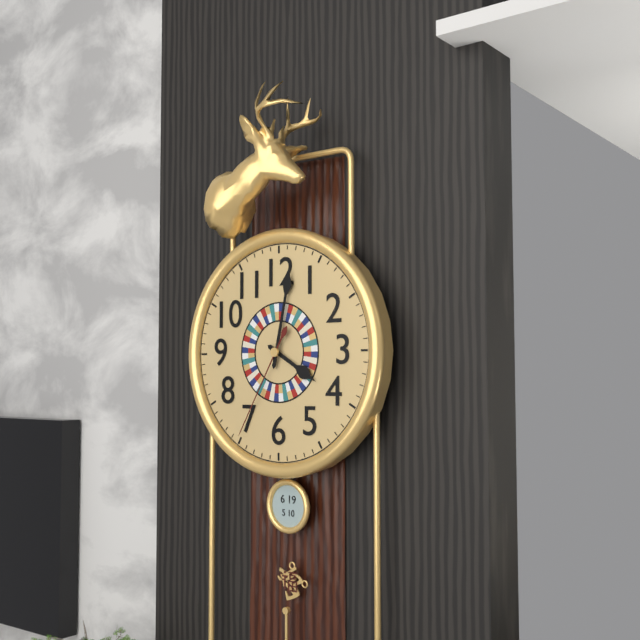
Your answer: **4:02:35**
